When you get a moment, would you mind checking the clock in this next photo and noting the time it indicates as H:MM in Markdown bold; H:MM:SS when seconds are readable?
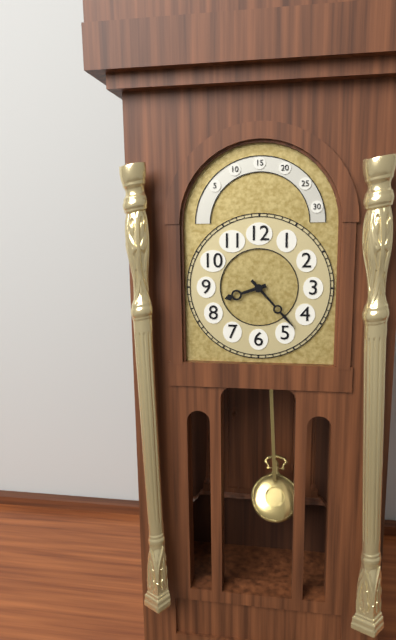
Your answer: **8:23**
